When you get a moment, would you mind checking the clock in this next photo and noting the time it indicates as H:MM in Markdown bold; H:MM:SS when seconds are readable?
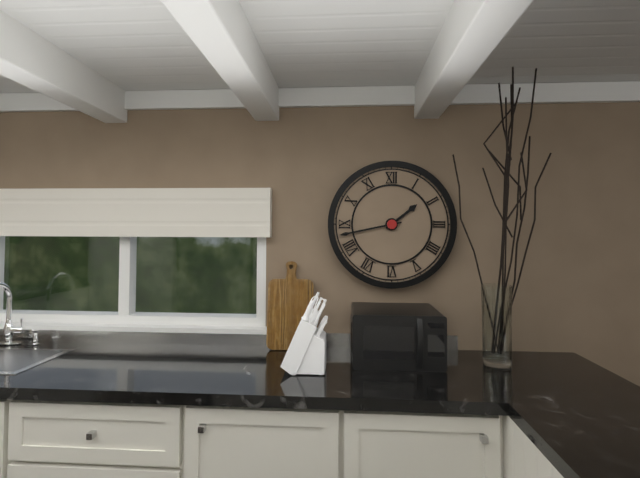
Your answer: **1:43**
